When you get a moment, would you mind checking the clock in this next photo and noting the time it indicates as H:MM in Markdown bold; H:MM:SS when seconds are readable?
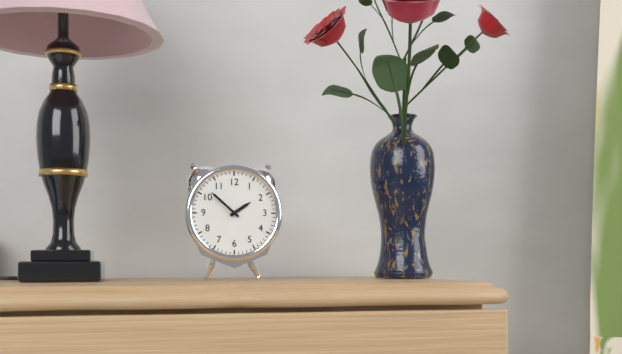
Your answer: **1:52**
